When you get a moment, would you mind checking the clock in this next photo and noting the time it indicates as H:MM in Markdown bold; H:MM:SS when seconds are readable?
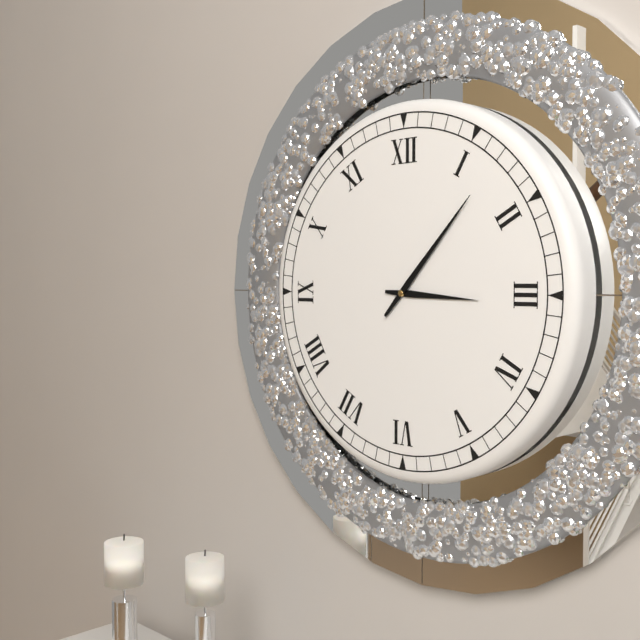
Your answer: **3:07**
